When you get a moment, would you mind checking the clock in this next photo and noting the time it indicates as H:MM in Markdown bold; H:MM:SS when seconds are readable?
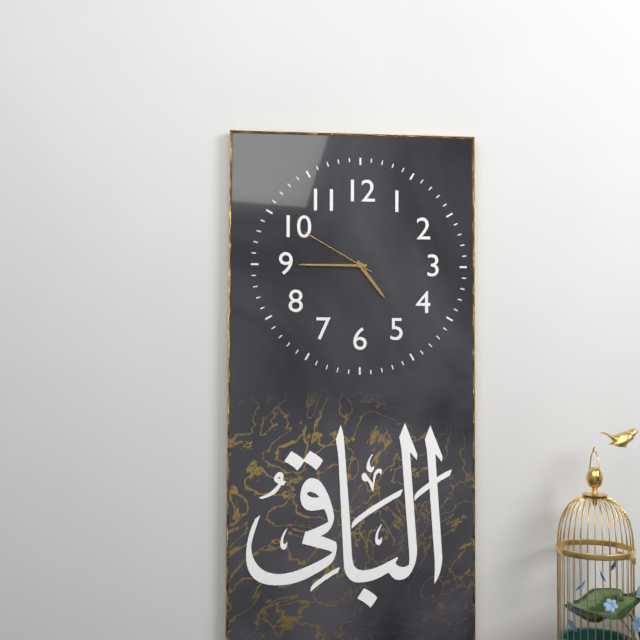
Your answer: **4:45:50**
